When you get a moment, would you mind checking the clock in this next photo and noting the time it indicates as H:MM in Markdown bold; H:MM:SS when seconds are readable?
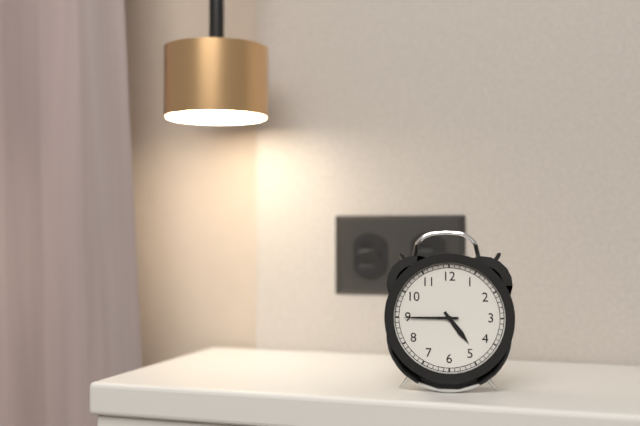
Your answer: **4:45**
